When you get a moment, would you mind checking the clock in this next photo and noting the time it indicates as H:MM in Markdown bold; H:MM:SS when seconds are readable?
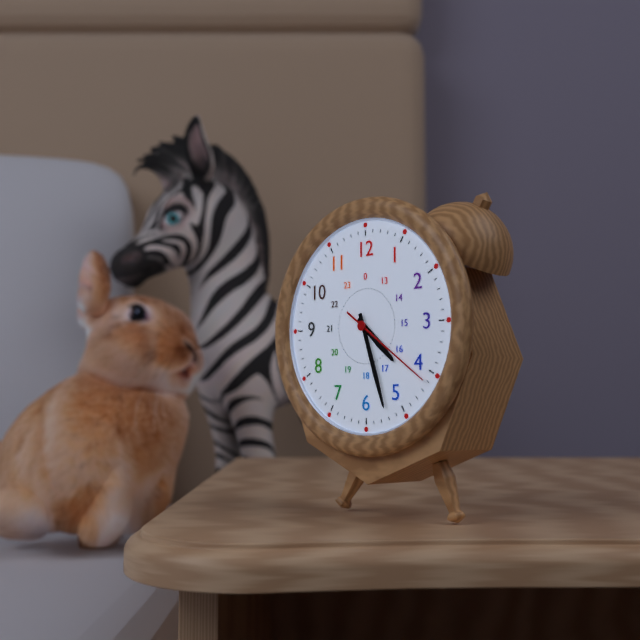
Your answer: **4:27:21**
